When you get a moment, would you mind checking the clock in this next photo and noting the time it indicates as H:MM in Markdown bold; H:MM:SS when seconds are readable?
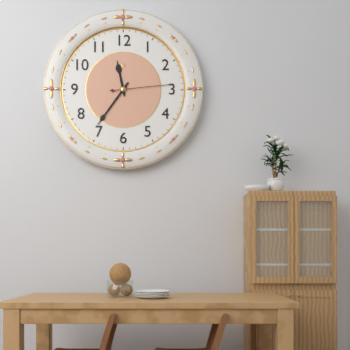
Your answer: **11:36:14**
